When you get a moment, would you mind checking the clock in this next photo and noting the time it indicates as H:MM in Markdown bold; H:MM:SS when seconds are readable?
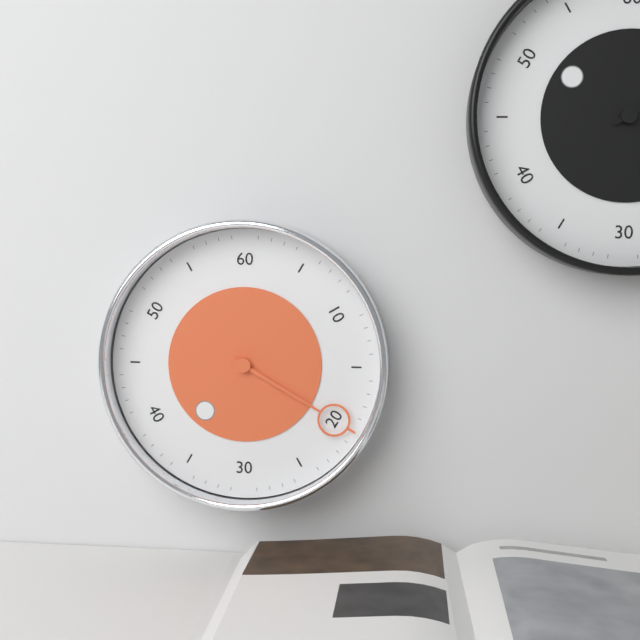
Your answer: **7:20**
